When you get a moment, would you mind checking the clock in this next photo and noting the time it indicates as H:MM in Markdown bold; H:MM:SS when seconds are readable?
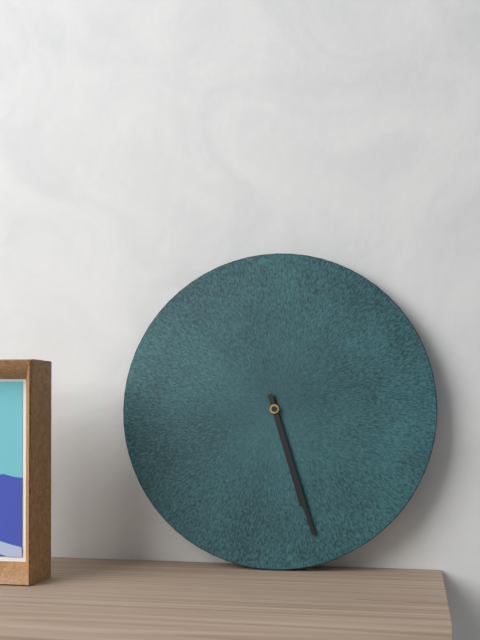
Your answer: **5:27**
